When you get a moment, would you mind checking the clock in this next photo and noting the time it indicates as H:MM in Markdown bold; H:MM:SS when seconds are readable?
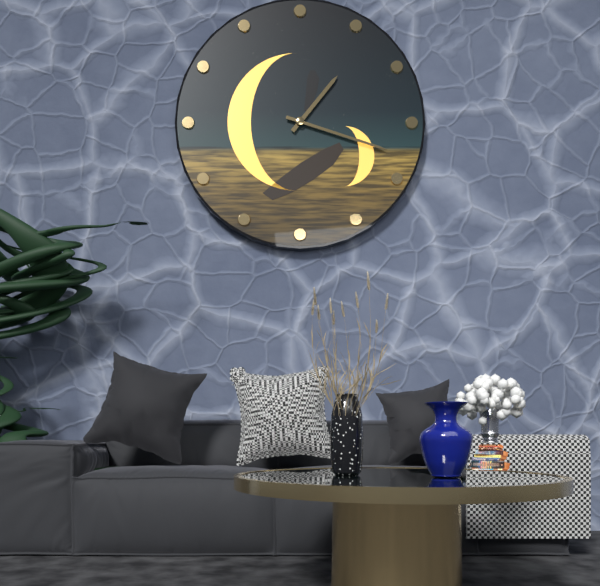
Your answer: **1:18**
